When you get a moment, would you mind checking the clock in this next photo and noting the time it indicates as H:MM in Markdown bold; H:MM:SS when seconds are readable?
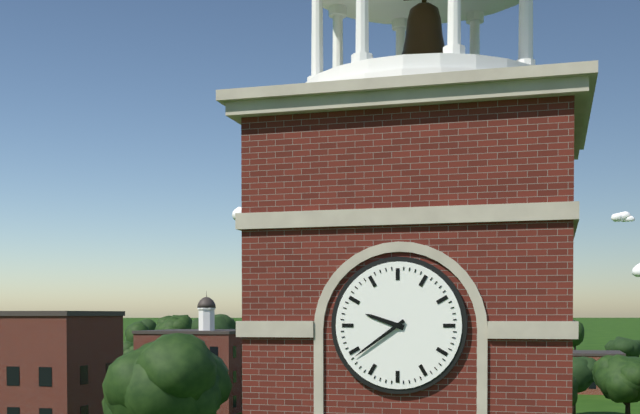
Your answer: **9:39**
